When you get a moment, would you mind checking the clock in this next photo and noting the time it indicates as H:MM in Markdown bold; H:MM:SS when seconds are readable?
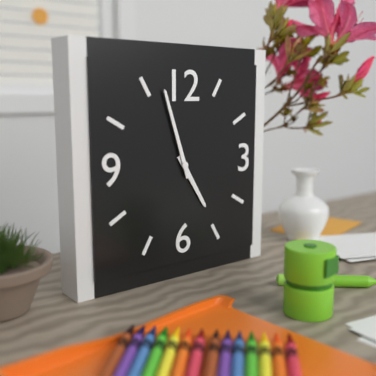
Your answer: **4:57**
